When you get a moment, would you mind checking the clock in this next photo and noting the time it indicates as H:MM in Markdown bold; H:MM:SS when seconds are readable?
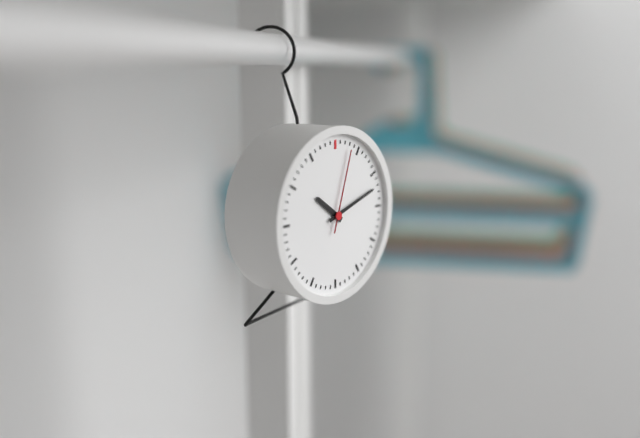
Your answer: **10:12:03**
